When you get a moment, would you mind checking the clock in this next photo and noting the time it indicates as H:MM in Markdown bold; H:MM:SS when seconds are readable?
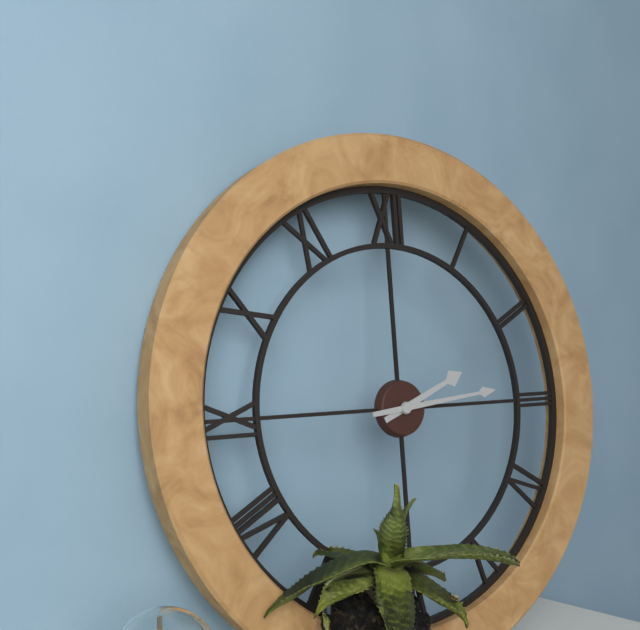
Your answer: **2:14**
